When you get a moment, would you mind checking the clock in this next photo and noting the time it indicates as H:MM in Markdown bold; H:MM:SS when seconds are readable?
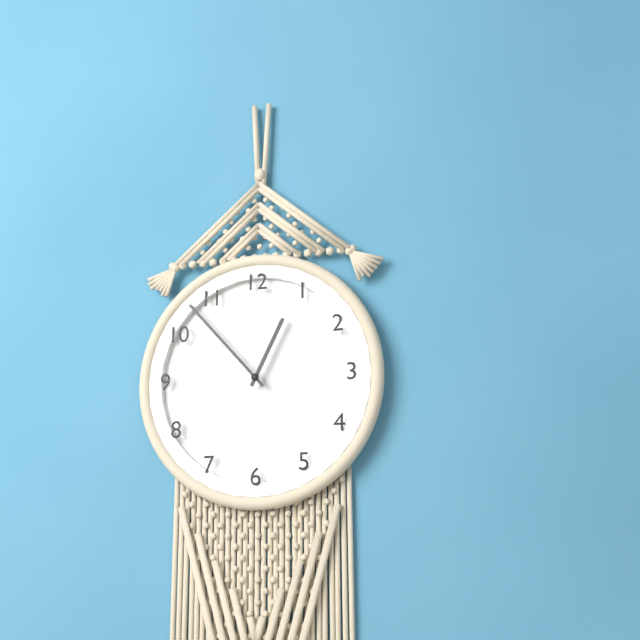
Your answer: **12:53**
